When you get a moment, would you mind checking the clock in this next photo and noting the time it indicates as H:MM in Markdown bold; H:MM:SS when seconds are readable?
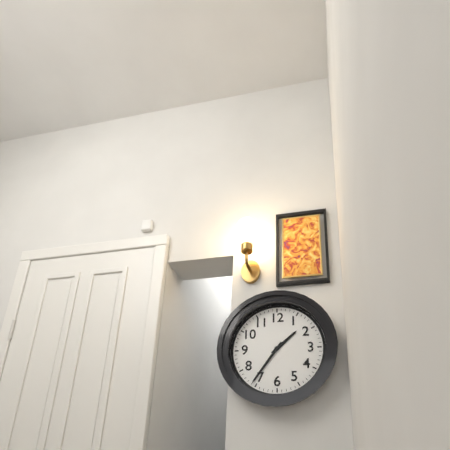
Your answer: **1:36**
